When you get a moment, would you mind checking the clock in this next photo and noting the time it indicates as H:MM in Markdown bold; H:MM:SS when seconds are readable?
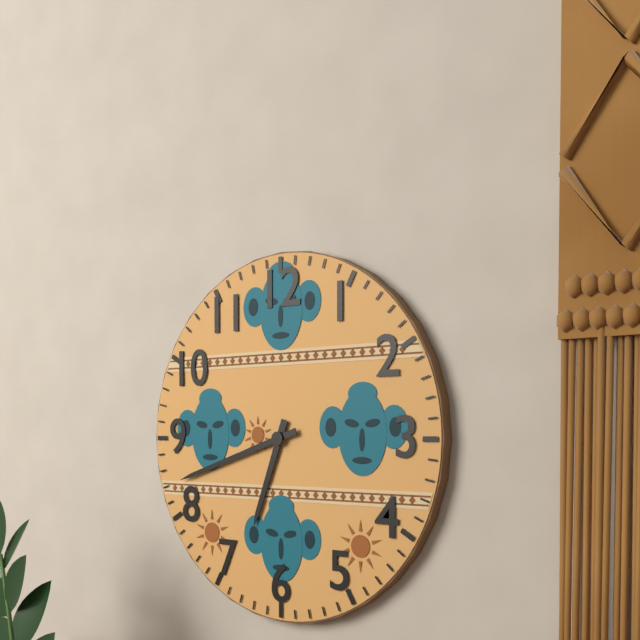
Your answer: **6:42**
